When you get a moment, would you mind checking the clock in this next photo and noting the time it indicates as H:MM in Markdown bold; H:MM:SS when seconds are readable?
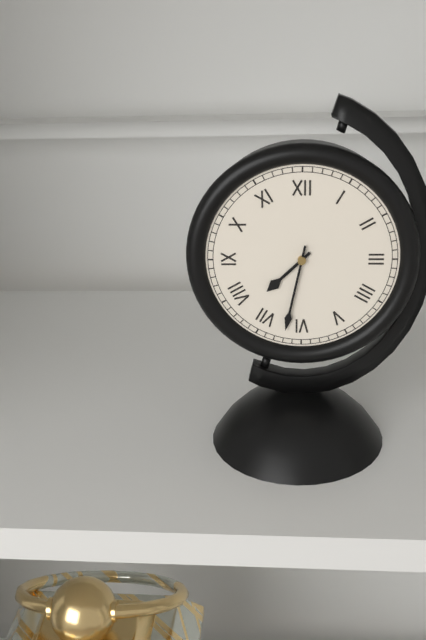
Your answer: **7:32**
